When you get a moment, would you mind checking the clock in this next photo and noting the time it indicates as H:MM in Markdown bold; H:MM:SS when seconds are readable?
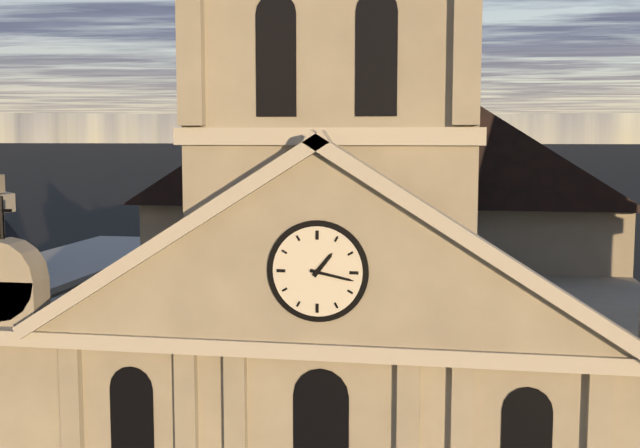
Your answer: **1:17**
